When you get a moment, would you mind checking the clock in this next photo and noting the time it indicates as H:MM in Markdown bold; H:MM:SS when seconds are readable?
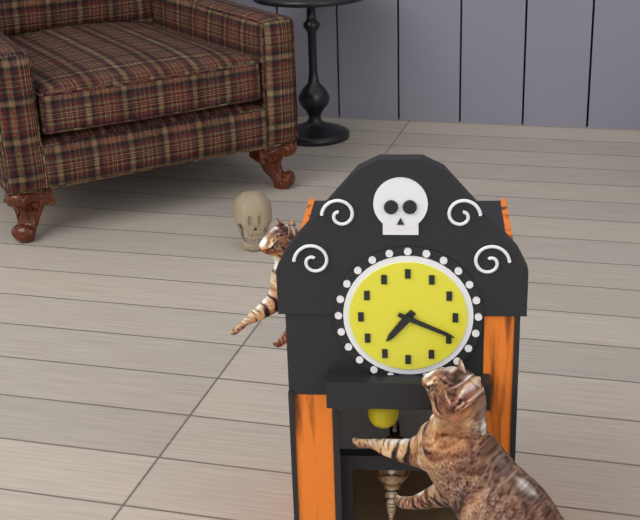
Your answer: **7:19**
